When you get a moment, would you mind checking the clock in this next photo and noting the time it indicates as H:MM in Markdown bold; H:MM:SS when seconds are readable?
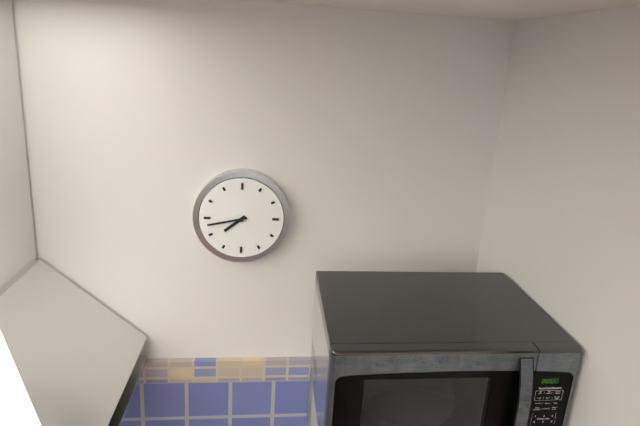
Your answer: **7:43**
